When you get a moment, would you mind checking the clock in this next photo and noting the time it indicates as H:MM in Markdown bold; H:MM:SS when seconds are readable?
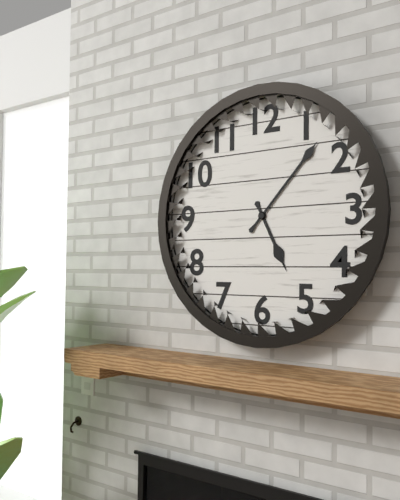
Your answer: **5:07**
